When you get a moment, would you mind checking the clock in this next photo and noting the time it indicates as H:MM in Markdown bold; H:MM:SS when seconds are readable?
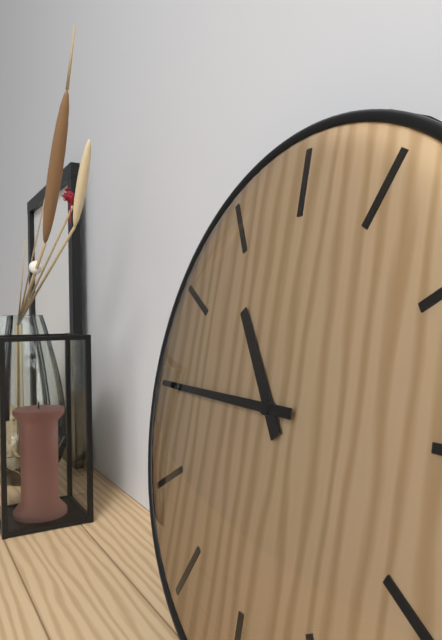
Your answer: **10:45**
